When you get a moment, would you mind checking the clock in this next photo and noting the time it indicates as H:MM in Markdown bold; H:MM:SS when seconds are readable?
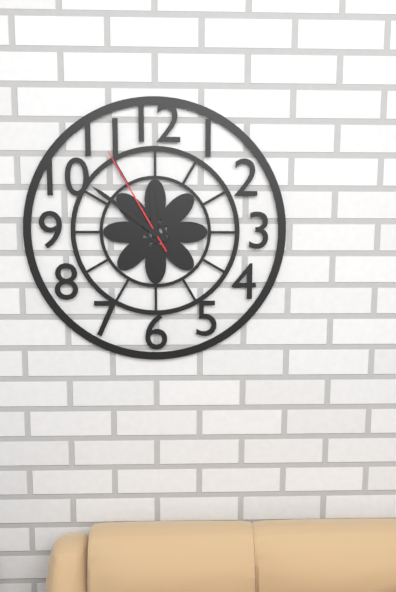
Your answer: **11:51:55**
